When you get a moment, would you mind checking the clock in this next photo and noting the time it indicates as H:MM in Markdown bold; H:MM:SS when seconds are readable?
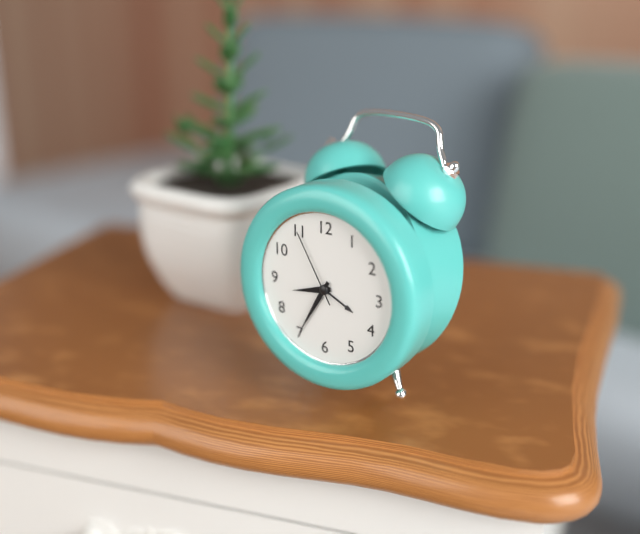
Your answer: **8:35:55**
